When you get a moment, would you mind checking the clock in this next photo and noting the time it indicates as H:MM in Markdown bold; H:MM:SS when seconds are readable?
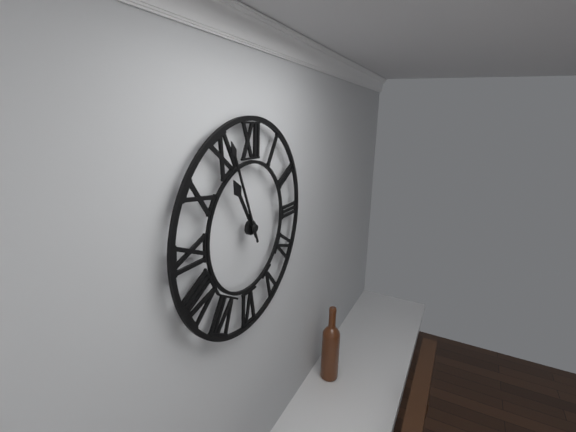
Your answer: **10:56**
